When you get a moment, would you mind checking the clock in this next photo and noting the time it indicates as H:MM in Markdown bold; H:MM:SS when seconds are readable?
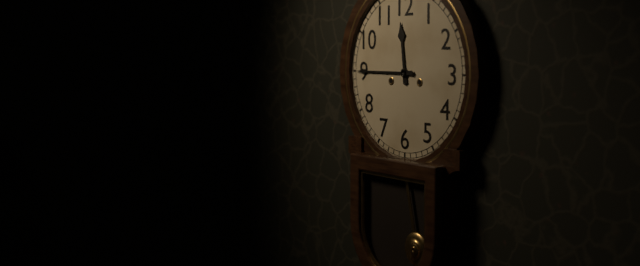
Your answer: **11:45**
